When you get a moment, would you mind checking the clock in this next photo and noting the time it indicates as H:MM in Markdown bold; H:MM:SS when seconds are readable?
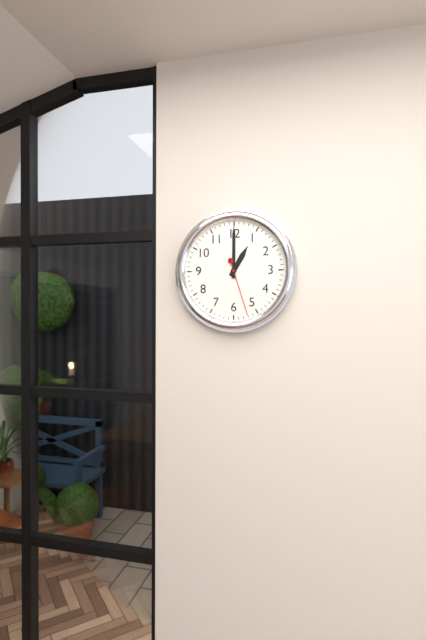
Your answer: **1:00:27**
